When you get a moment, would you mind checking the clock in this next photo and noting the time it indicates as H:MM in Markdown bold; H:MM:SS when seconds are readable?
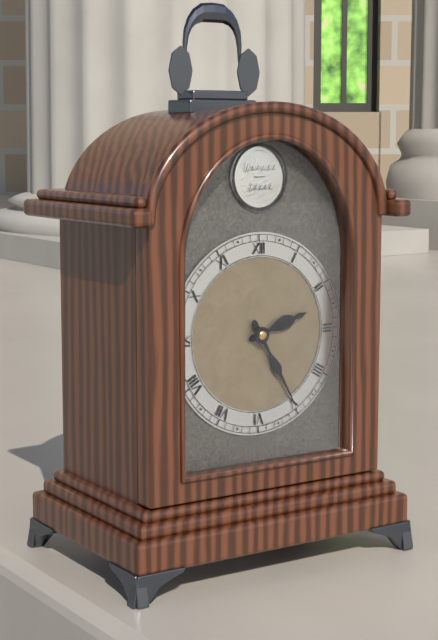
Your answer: **2:25**
